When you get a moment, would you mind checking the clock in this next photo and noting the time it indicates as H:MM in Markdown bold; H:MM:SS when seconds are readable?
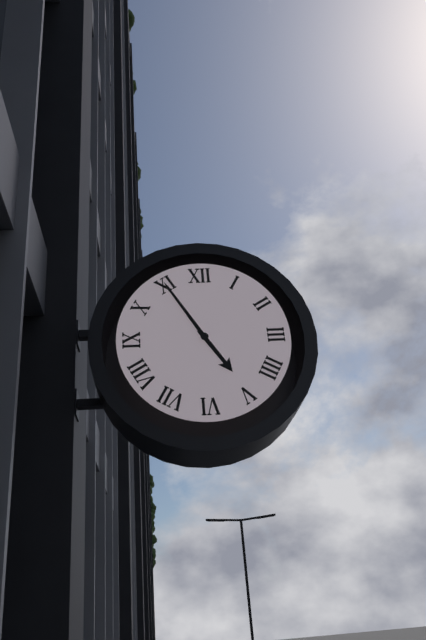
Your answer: **4:55**
